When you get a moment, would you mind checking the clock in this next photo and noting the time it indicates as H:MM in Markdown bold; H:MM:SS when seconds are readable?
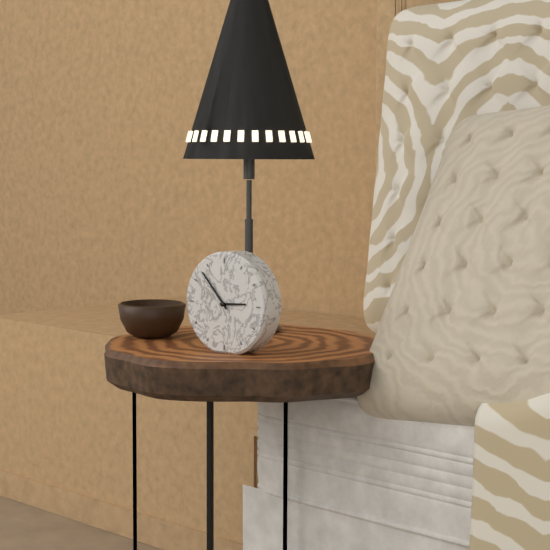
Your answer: **2:53**
